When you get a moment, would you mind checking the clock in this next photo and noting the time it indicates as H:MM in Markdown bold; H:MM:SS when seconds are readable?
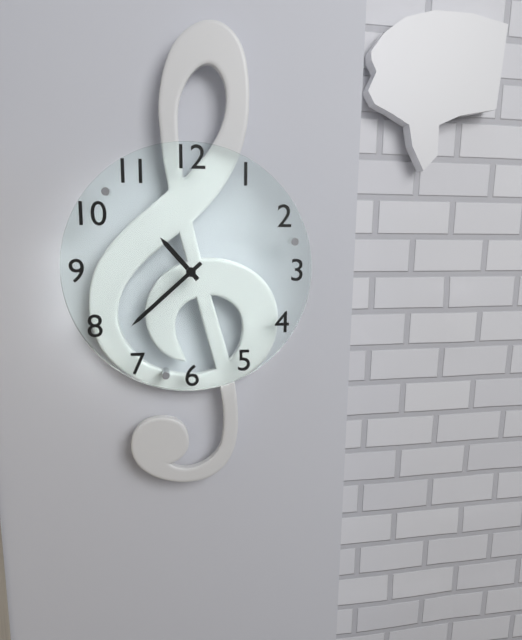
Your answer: **10:38**
